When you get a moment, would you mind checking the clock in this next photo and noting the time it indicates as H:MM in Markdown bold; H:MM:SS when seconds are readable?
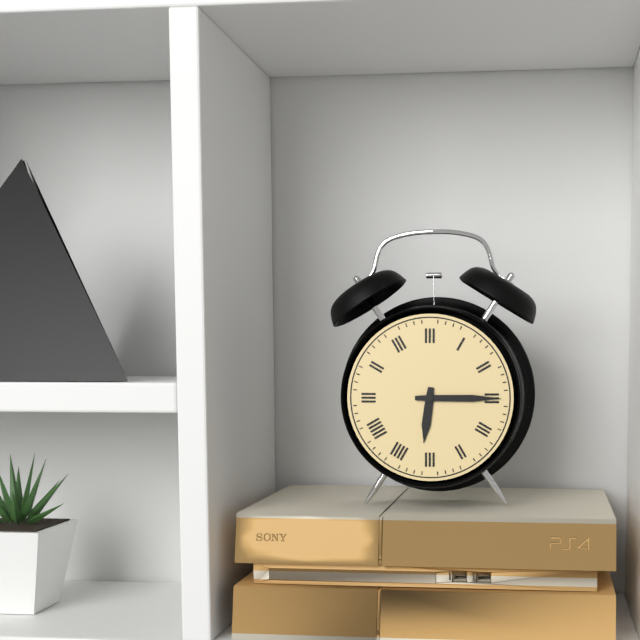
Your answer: **6:15**
